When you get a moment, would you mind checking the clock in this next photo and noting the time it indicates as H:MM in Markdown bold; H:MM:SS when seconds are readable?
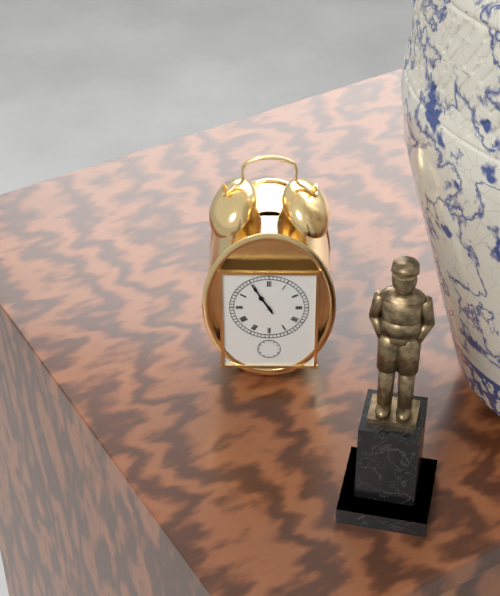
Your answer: **10:55**
